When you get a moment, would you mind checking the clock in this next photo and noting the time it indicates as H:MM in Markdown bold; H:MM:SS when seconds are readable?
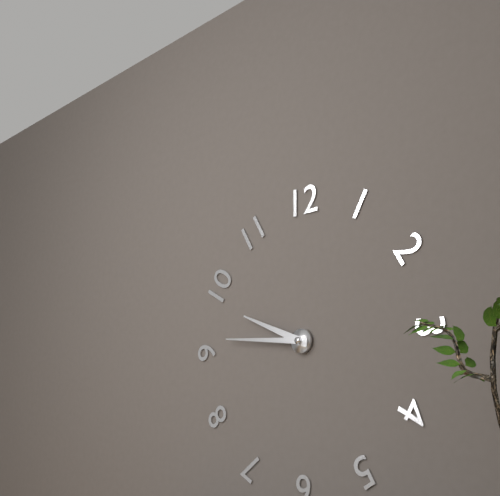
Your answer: **9:46**
